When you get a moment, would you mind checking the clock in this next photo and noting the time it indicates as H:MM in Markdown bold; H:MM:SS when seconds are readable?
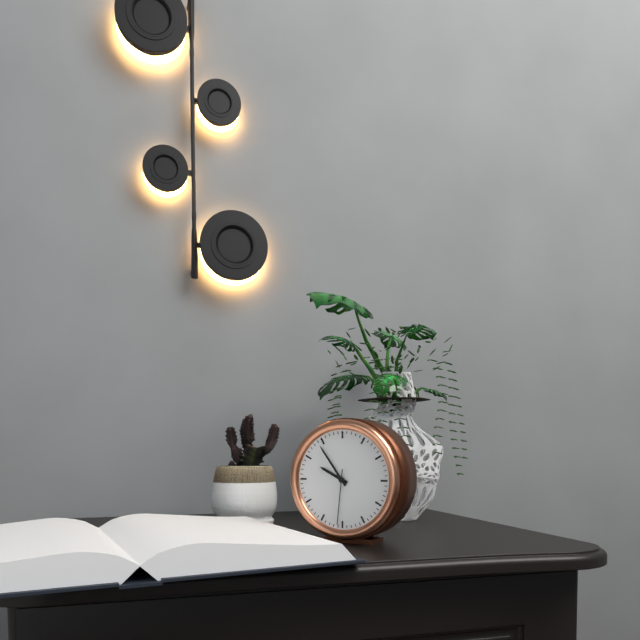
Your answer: **9:54:31**
